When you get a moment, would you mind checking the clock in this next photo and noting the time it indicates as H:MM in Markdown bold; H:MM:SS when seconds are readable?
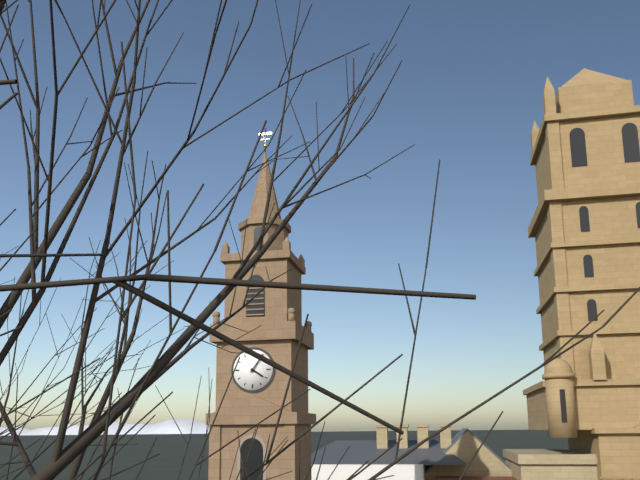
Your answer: **4:06**
